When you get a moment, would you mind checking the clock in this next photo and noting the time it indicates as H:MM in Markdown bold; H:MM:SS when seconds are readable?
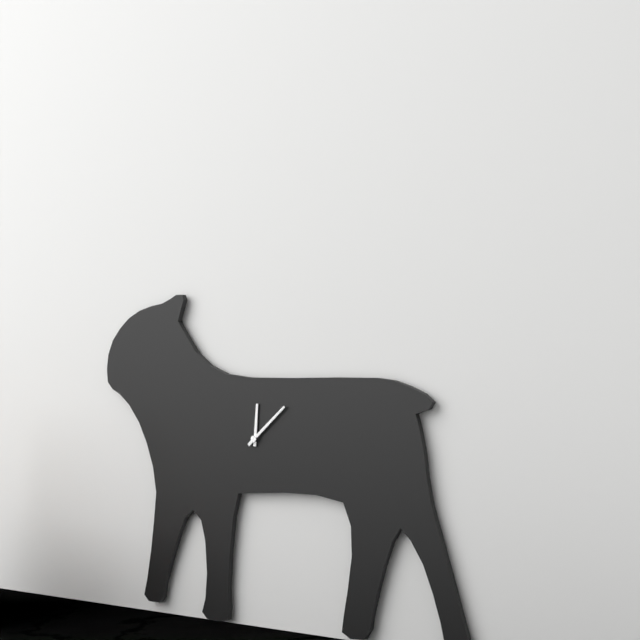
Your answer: **12:08**
